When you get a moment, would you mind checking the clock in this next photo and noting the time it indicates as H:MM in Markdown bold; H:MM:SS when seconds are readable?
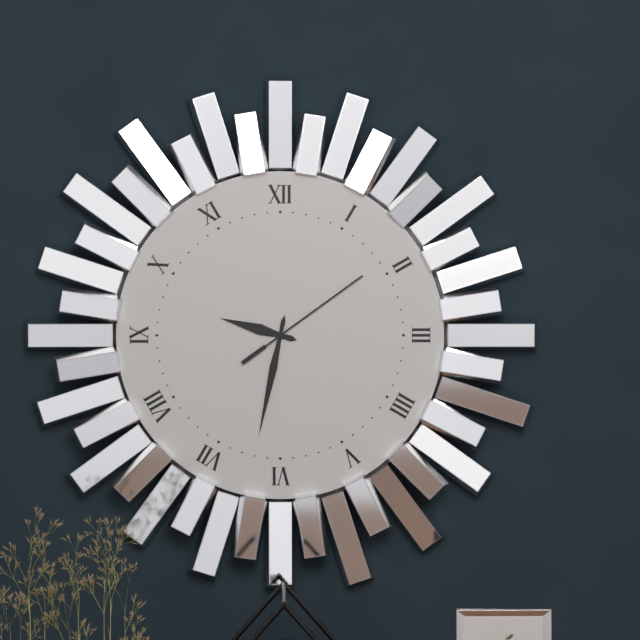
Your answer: **9:32:09**
